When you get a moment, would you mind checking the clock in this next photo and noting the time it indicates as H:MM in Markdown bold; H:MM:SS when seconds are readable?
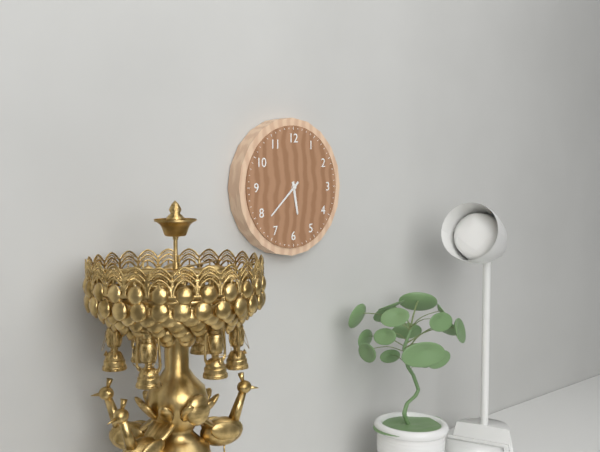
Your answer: **5:38**
